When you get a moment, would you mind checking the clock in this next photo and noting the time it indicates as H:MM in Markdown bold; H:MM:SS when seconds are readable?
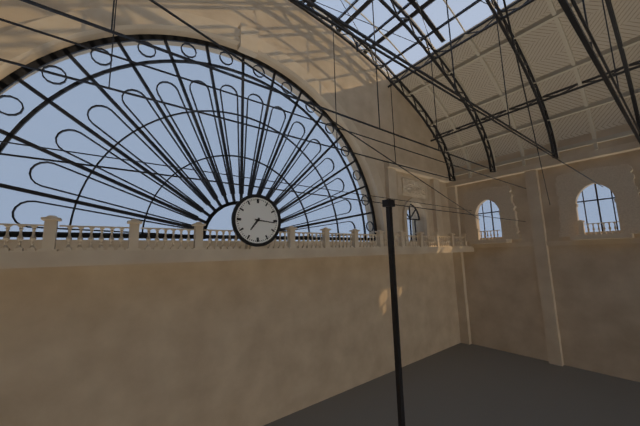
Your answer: **7:16**
